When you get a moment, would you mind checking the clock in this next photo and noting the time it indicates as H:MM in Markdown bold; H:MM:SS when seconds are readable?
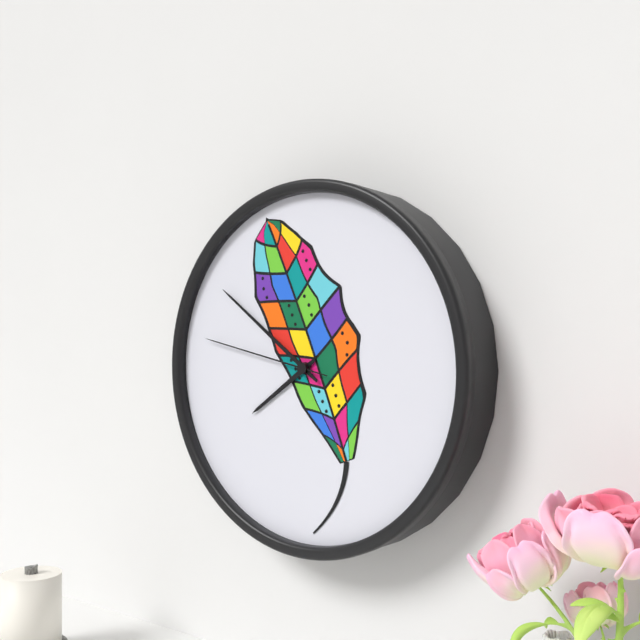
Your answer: **7:51:47**
